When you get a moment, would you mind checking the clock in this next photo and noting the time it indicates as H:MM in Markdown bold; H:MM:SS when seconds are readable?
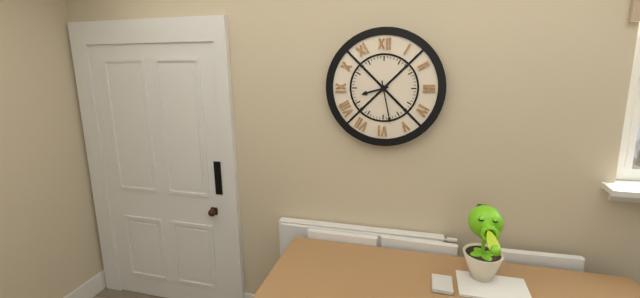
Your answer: **8:28**
